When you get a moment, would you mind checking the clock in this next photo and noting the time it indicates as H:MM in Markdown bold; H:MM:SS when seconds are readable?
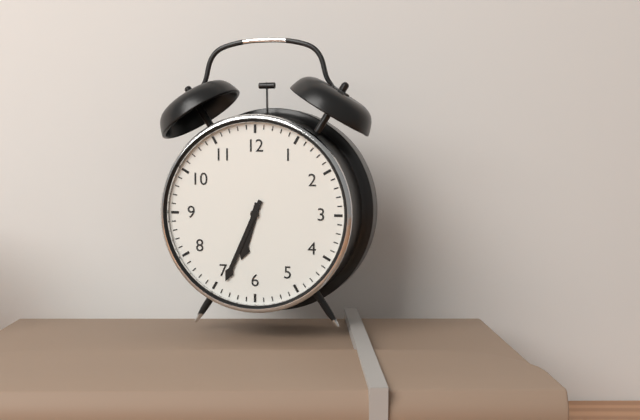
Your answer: **6:34**
